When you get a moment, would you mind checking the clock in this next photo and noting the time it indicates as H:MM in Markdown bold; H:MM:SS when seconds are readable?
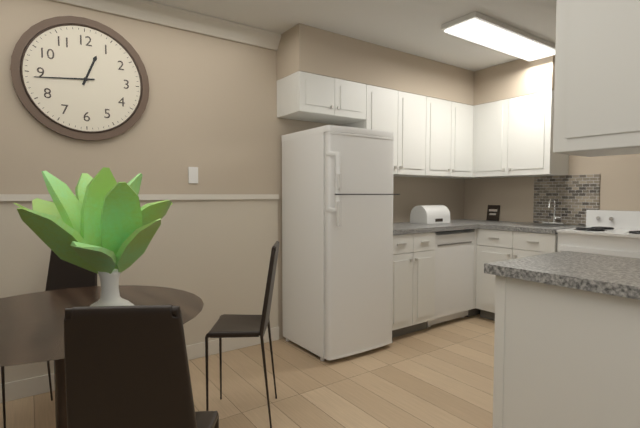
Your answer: **12:44**
